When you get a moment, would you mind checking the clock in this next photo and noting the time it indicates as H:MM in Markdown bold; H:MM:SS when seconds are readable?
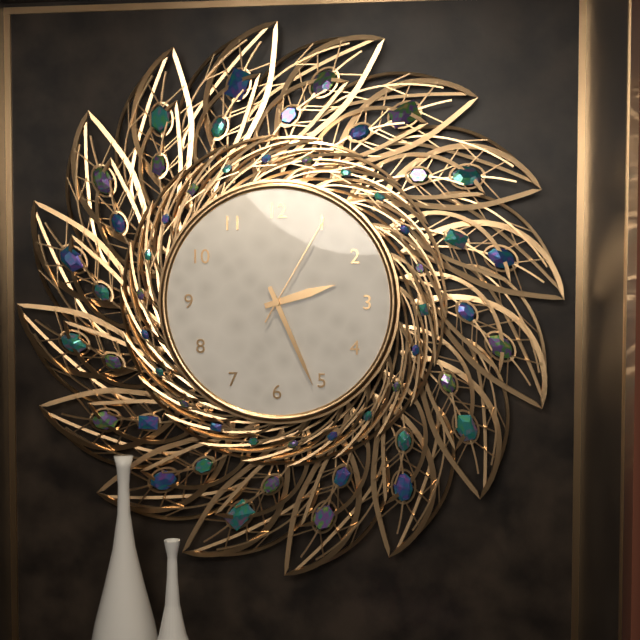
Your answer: **2:26:05**
